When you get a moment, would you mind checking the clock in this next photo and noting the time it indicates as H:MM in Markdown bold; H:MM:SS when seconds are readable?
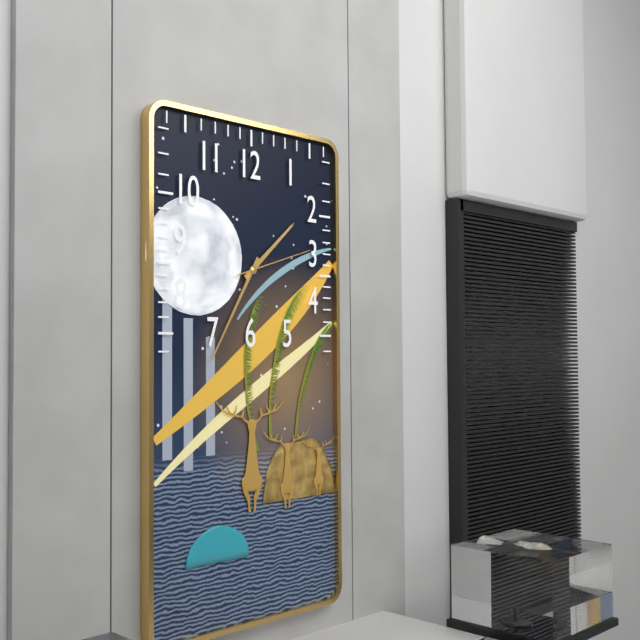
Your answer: **1:35:12**
